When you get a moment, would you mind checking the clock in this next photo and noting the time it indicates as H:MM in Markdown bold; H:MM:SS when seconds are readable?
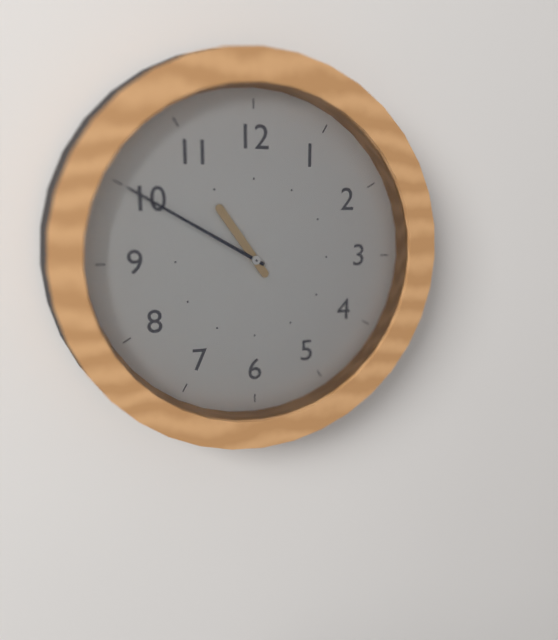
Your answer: **10:50**
